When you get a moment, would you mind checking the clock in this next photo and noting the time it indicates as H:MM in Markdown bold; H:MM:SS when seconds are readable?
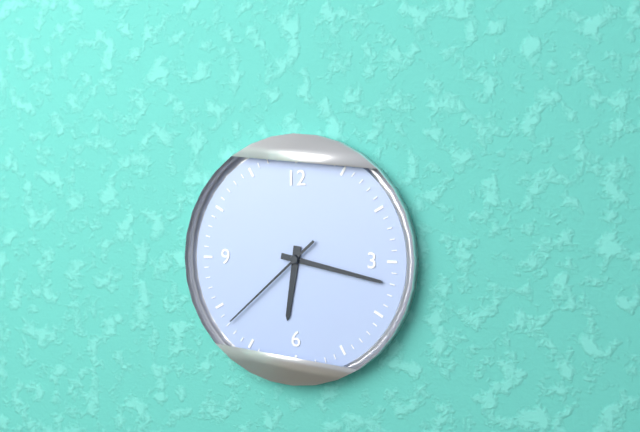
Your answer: **6:17:38**
